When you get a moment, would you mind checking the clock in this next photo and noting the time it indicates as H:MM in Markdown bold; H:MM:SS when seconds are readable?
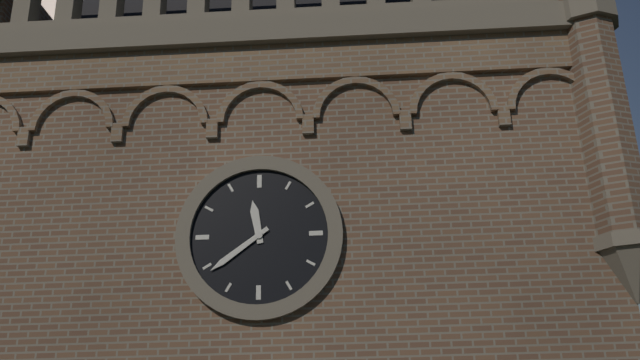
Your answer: **11:39**
